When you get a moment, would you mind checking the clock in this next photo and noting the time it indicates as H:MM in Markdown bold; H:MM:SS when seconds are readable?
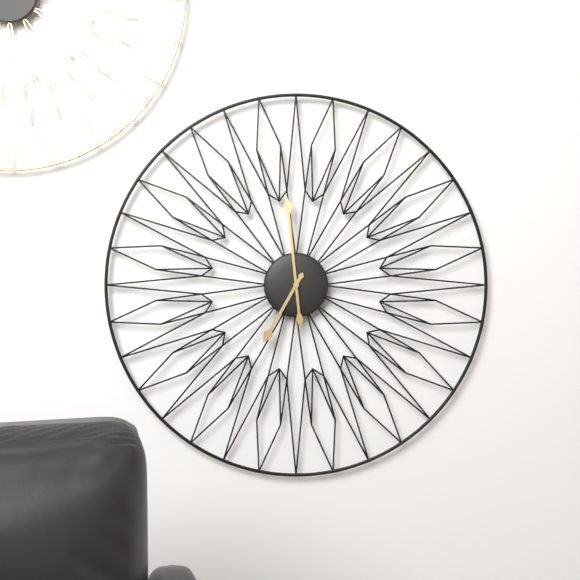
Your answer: **6:59**
